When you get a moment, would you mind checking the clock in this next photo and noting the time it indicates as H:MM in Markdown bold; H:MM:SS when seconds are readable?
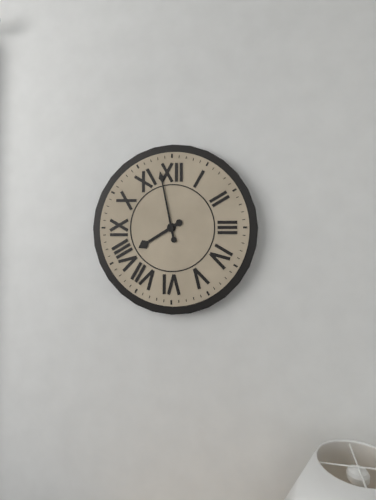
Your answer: **7:58**
